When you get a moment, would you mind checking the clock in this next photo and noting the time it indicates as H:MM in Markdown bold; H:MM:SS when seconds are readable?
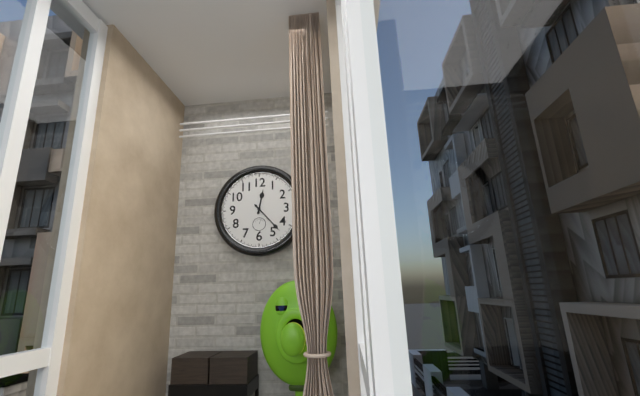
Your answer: **12:23**
